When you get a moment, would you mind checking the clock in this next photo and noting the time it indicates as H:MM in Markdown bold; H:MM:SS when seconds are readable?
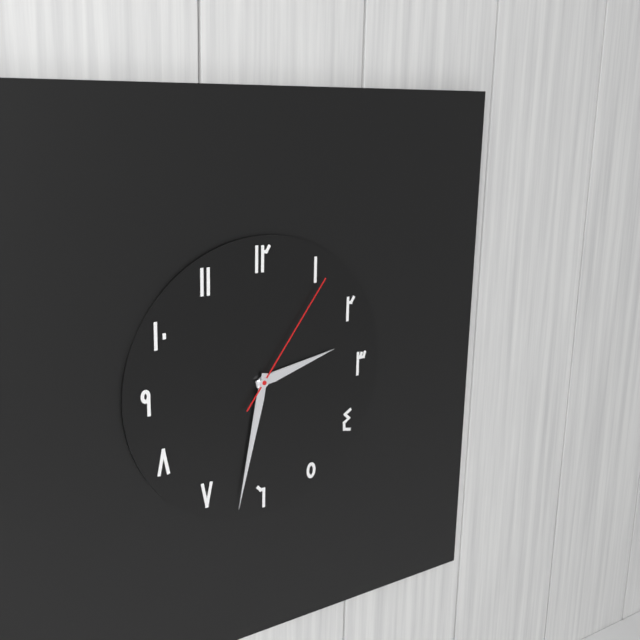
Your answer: **2:32:06**
